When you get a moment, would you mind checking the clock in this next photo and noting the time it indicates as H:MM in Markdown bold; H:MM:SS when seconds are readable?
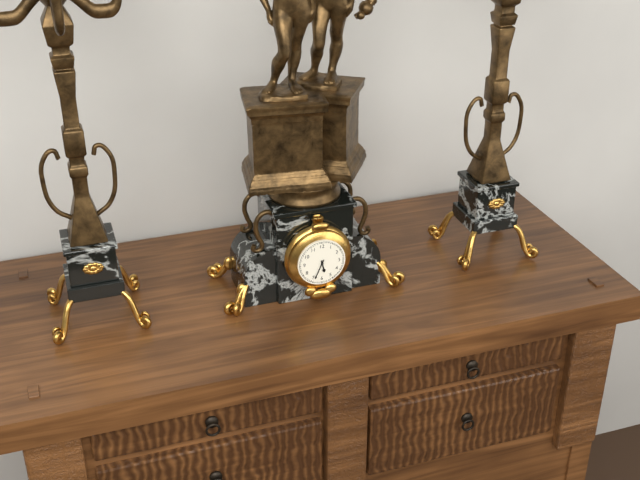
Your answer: **5:34**
